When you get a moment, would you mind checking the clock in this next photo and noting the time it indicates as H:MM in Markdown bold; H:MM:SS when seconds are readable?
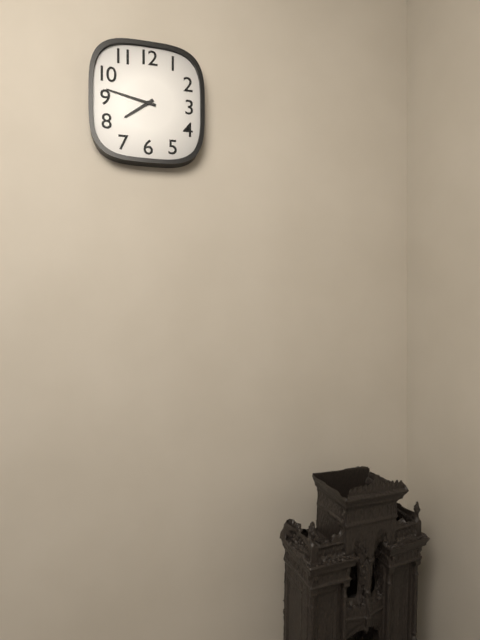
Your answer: **7:47**
